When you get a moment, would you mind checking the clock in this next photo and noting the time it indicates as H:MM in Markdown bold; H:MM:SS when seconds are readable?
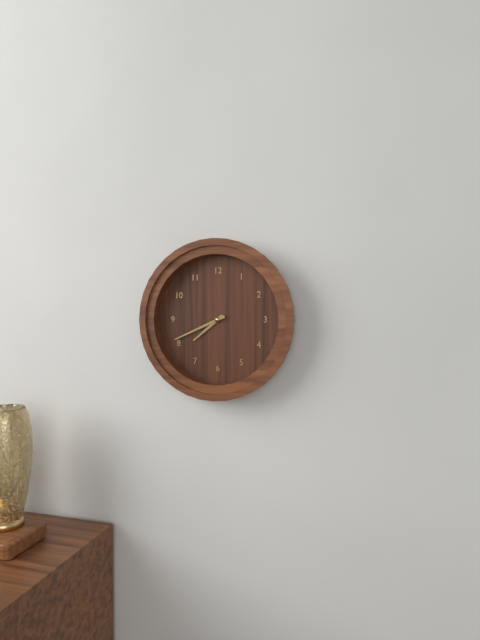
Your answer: **7:41**
